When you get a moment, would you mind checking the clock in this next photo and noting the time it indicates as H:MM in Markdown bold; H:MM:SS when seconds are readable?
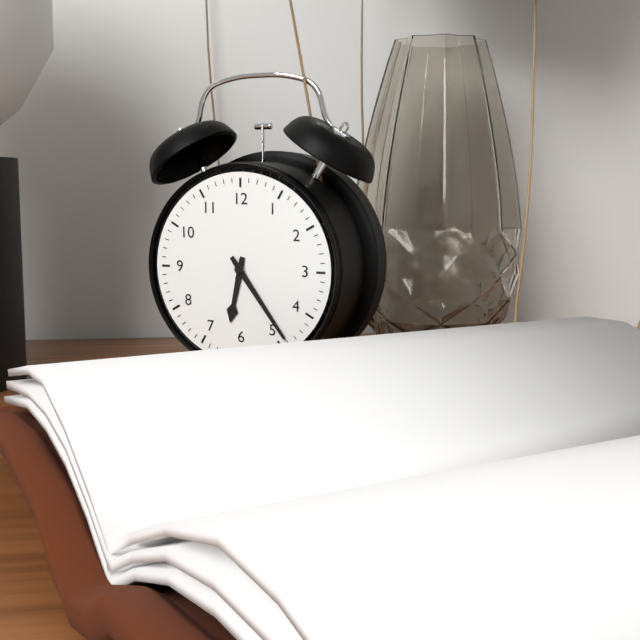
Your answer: **6:24**
